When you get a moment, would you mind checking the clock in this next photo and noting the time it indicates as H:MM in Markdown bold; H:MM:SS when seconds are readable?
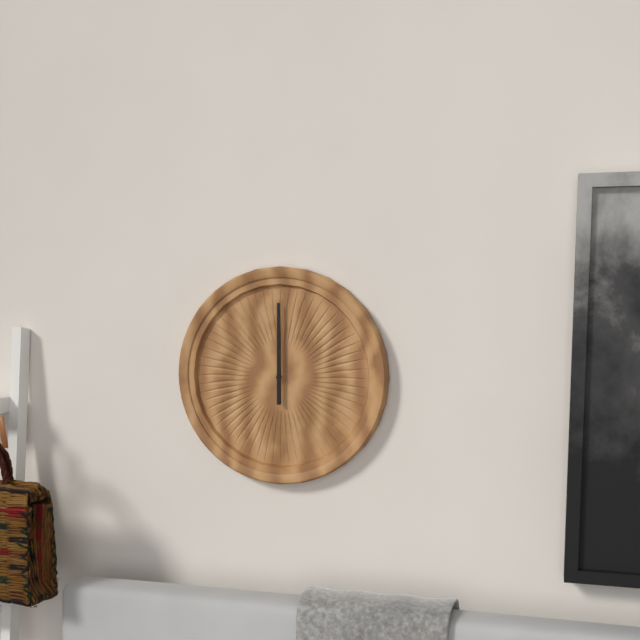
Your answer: **12:00**
